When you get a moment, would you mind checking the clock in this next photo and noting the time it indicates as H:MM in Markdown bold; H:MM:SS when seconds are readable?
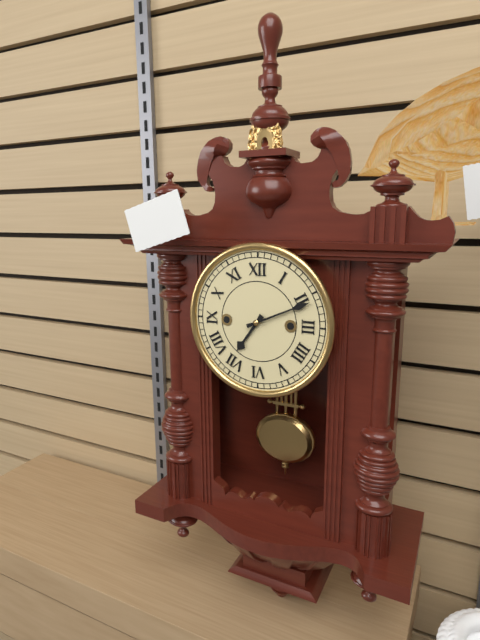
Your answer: **7:11**
